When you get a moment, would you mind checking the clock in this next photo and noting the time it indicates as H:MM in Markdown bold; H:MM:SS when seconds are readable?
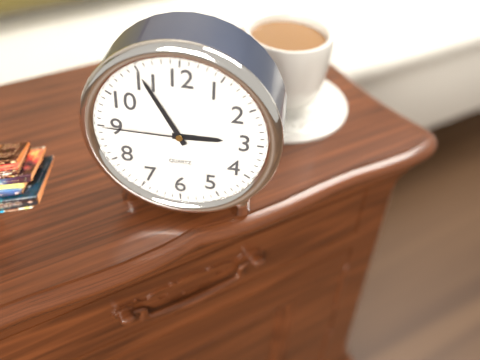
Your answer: **2:55:45**
